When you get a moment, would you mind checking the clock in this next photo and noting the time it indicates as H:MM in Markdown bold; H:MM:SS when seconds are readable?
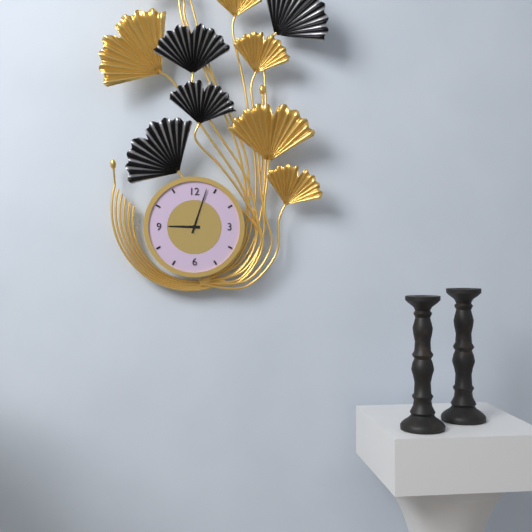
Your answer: **9:03**
